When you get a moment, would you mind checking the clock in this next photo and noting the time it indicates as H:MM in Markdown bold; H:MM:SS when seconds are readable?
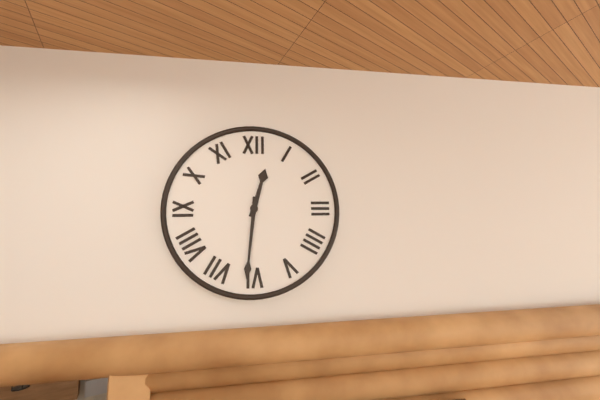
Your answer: **12:31**
